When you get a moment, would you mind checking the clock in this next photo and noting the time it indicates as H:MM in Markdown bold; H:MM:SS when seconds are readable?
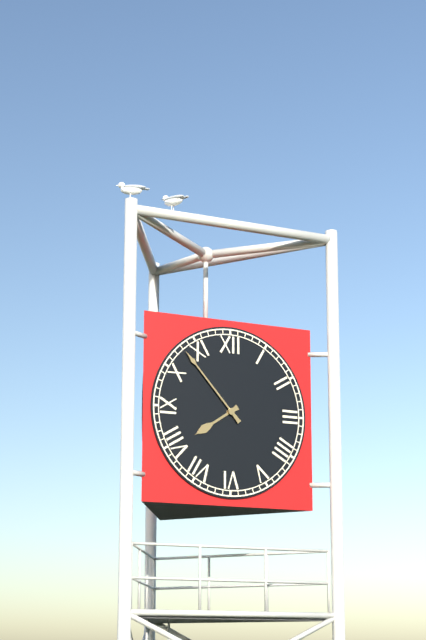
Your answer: **7:53**
